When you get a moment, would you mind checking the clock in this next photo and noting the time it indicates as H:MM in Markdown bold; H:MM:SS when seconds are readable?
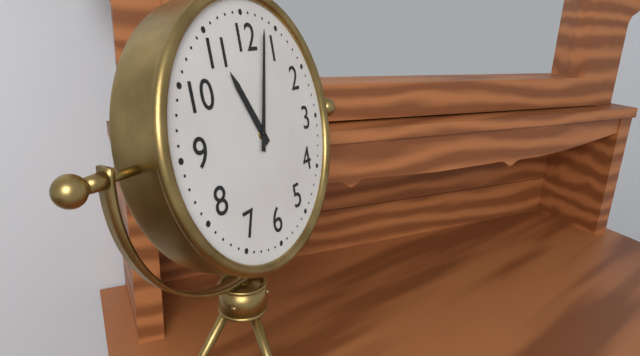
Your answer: **11:03**
